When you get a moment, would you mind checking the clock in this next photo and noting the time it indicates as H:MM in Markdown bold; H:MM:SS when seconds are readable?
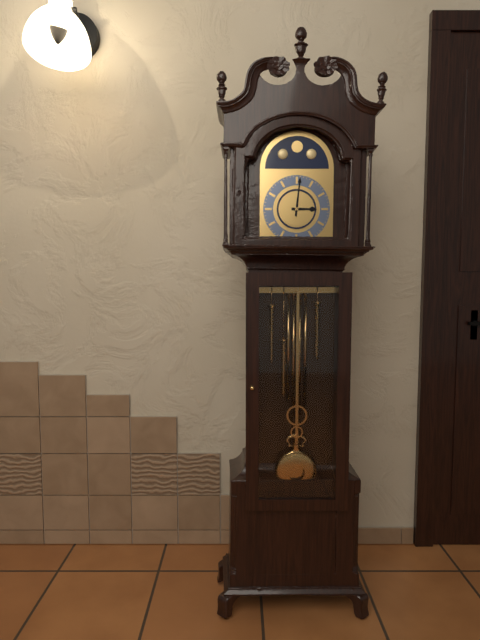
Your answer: **3:01**
